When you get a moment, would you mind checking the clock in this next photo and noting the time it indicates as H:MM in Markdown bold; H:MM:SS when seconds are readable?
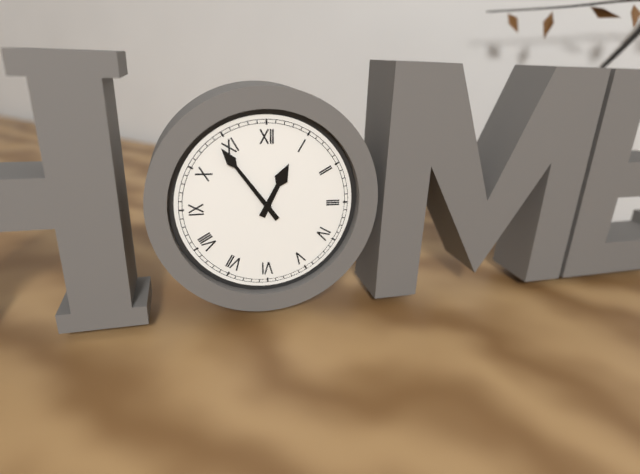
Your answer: **12:54**
